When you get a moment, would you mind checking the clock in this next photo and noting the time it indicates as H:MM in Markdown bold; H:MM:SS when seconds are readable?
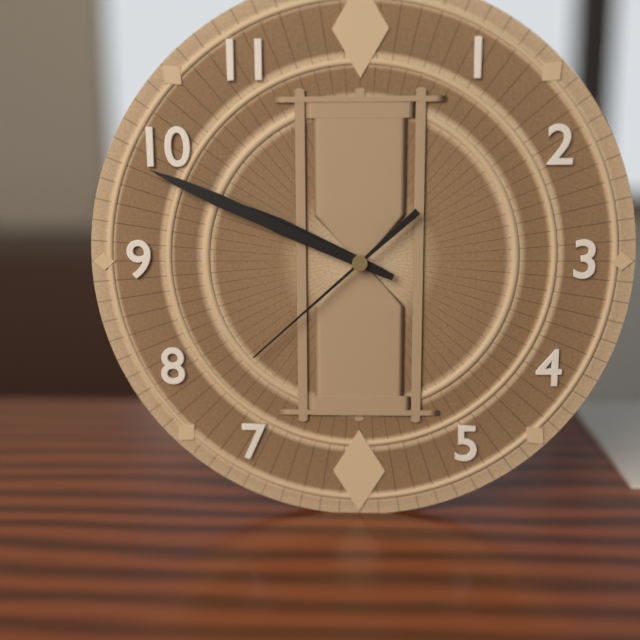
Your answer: **9:49:38**
